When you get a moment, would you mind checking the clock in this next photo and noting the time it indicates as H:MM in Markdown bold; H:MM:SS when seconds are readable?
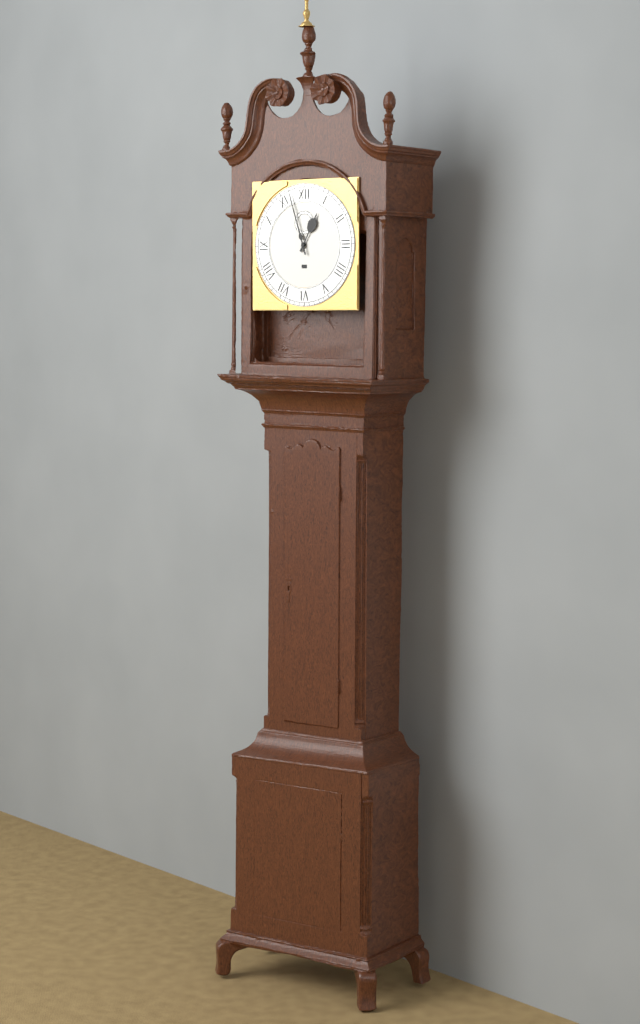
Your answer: **12:57**
